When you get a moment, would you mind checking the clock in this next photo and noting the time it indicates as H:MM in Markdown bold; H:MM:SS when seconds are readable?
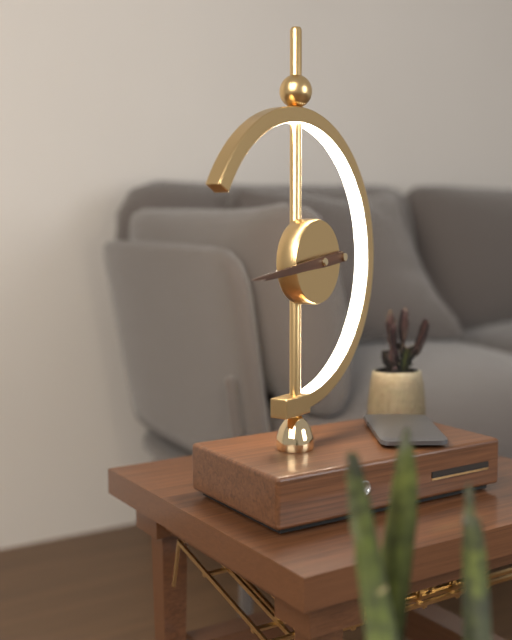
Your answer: **8:44**
